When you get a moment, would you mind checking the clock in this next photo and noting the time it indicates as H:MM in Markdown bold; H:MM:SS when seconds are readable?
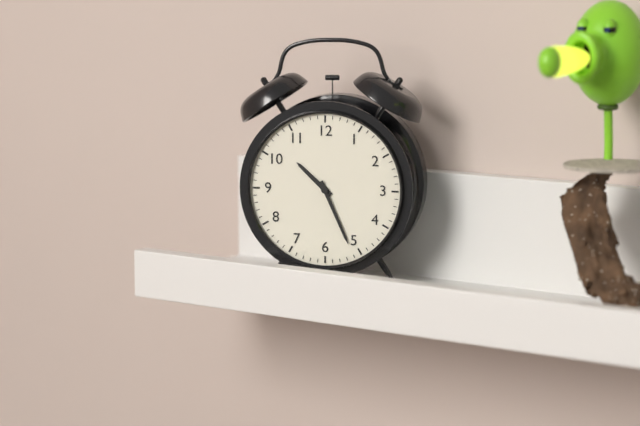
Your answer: **10:26**
